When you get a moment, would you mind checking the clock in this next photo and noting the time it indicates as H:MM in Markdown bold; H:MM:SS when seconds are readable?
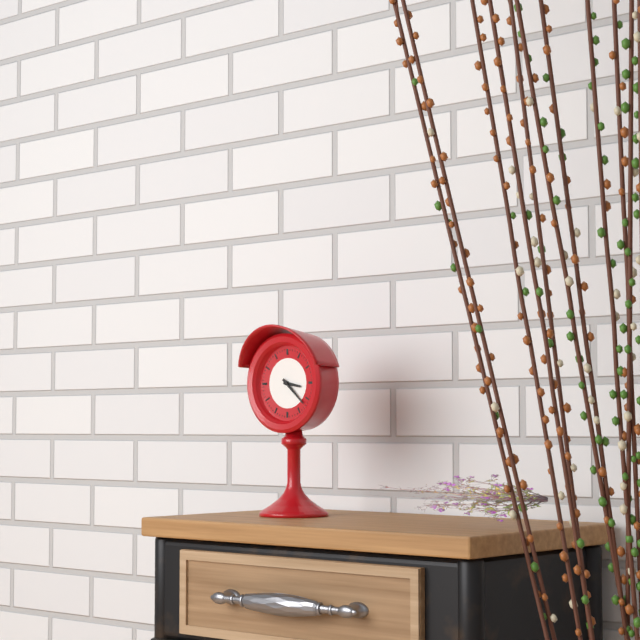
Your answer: **3:22**
